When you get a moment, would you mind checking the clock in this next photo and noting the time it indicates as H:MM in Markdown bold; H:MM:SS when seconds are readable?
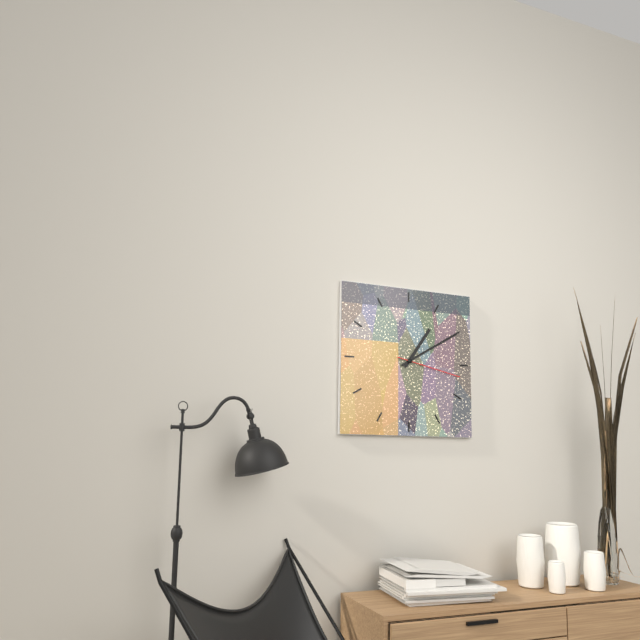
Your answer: **1:10:17**
